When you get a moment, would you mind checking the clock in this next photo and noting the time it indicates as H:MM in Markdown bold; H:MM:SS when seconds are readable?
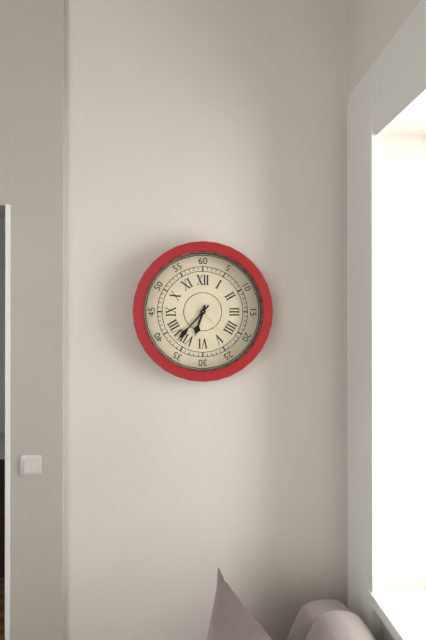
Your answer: **6:37:23**
